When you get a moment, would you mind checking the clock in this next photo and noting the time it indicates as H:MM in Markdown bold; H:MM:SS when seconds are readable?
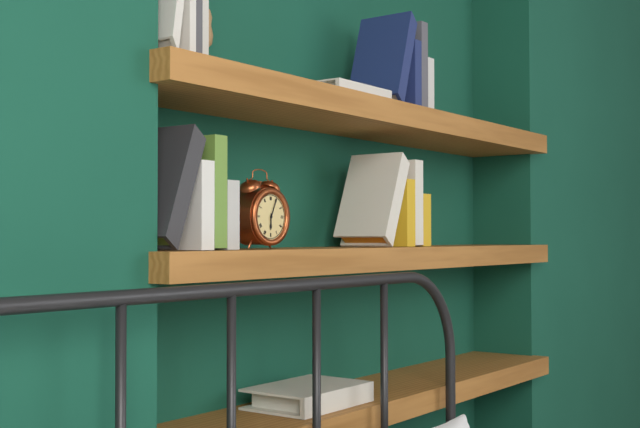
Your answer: **6:04**
